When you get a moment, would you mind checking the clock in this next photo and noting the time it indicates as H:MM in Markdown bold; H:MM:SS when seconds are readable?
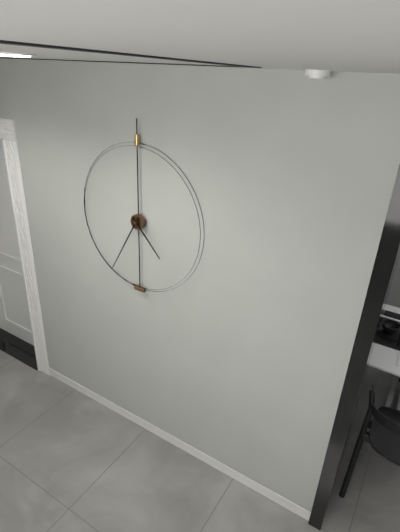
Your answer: **4:35**
